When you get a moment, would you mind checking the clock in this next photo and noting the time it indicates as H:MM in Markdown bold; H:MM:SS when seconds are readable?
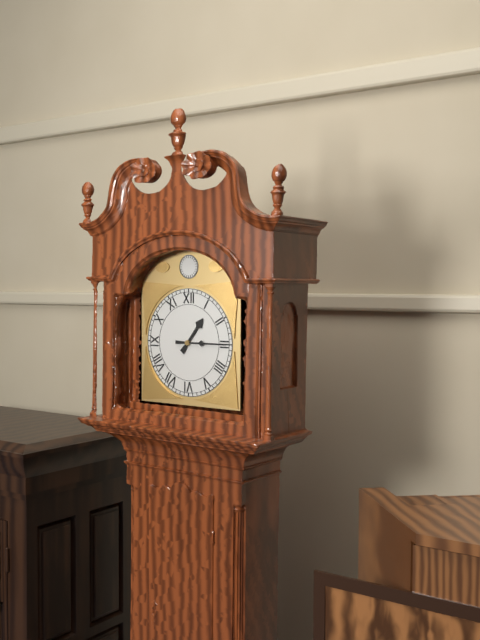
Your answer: **1:15**
